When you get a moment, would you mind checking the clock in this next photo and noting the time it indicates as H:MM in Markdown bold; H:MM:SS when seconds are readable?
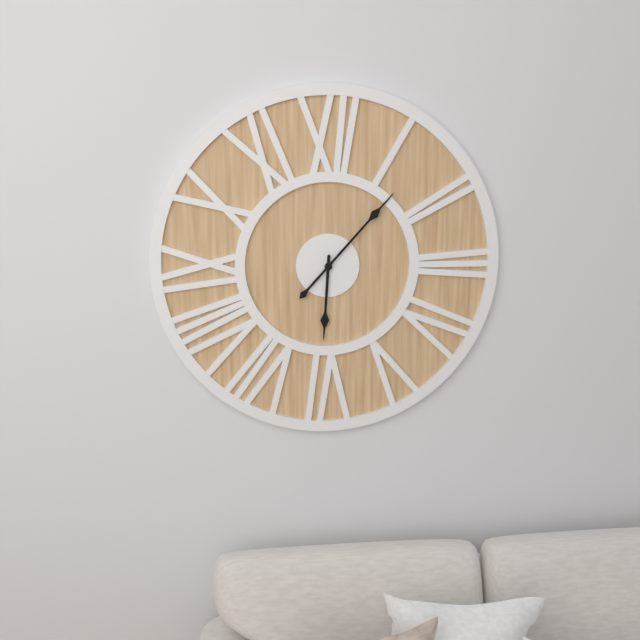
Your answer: **6:07**
